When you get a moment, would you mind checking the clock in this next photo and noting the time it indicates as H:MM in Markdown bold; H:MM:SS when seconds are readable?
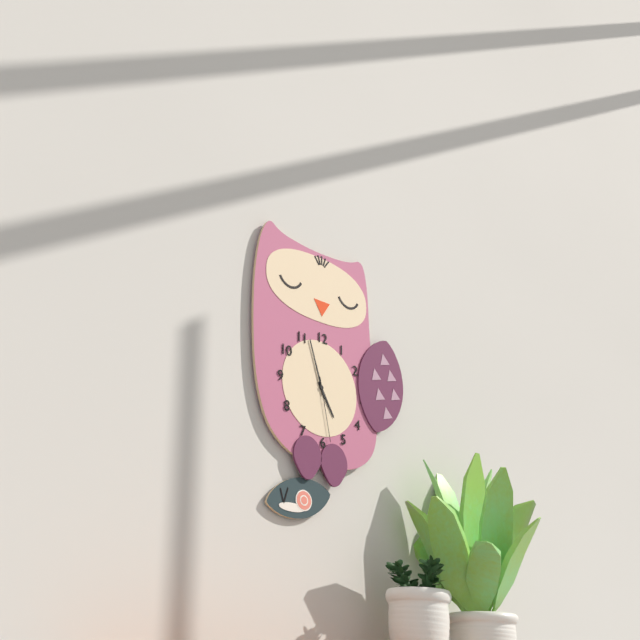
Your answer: **4:57:28**
